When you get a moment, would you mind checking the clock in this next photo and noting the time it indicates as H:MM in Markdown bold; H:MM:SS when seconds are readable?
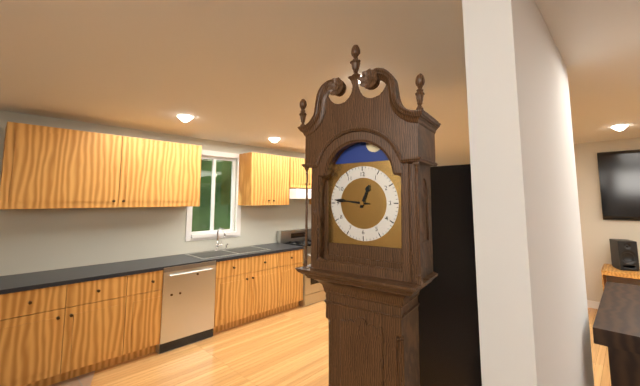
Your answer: **12:46**
